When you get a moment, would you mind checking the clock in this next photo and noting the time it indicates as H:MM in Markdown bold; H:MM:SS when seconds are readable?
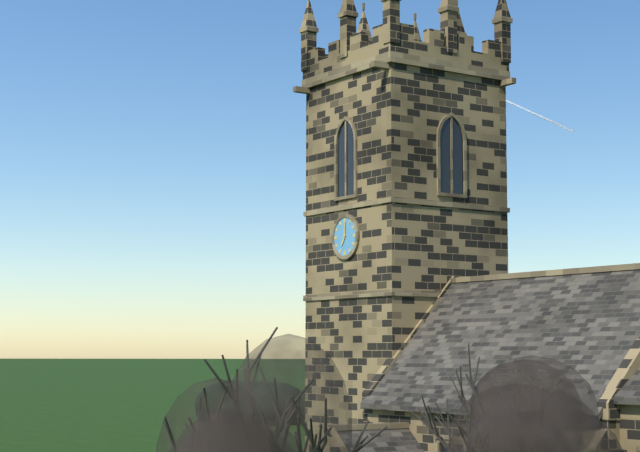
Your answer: **7:01**
